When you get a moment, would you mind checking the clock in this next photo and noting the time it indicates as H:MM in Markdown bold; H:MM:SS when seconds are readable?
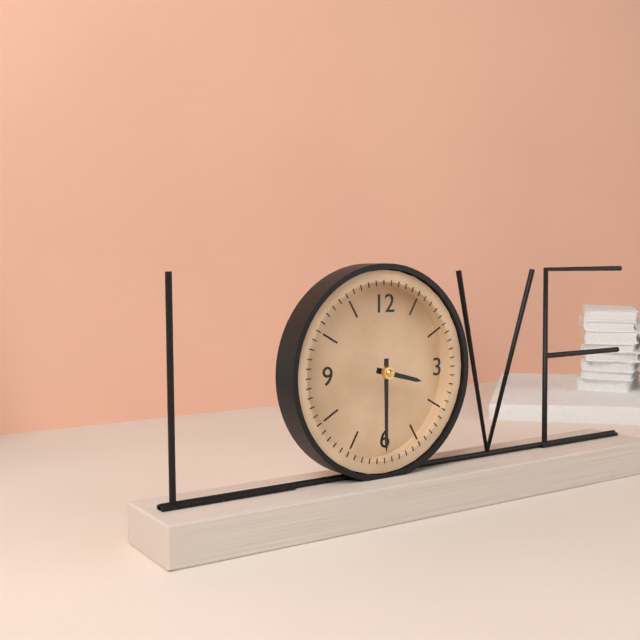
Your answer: **3:30**
